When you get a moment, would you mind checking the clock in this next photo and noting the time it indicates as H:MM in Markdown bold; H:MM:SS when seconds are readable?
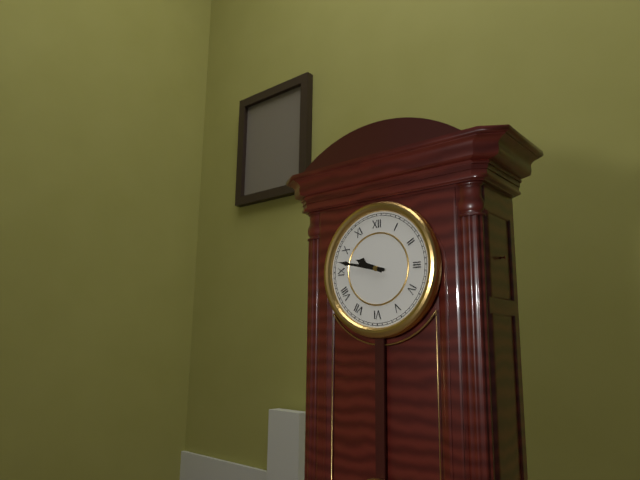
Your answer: **9:47**
